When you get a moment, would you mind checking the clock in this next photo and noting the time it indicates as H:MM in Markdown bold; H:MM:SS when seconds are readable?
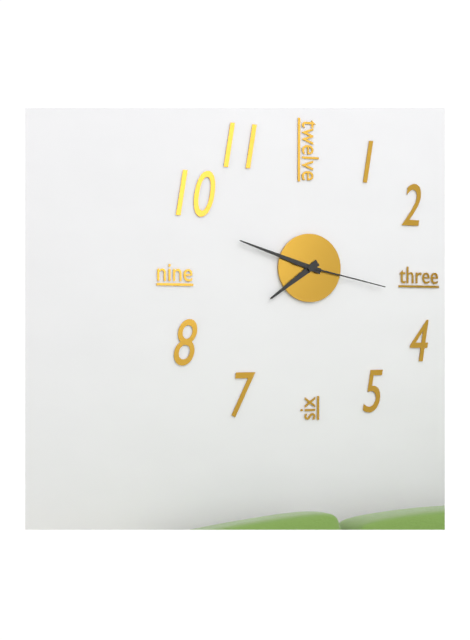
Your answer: **7:48:17**
